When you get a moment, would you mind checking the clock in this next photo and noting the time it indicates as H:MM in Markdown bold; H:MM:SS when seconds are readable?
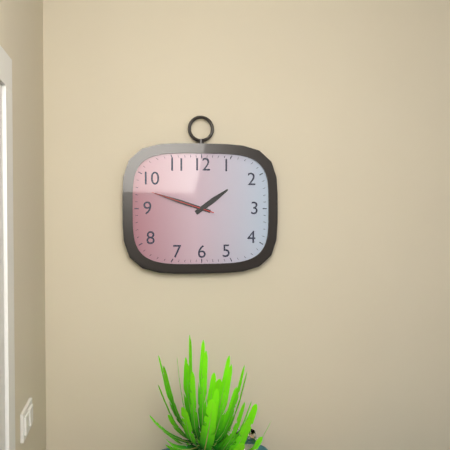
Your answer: **1:48:48**
